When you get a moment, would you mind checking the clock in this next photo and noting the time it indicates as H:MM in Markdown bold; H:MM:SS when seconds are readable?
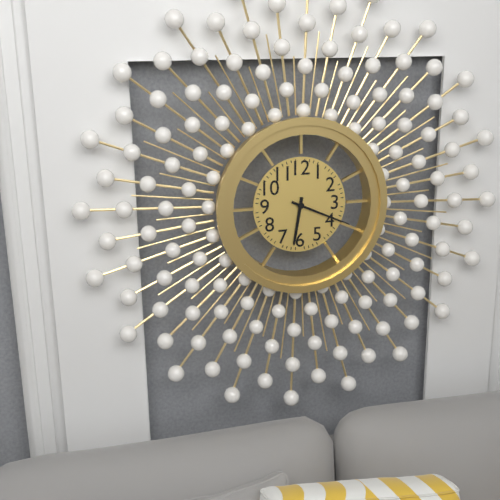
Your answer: **6:19**
